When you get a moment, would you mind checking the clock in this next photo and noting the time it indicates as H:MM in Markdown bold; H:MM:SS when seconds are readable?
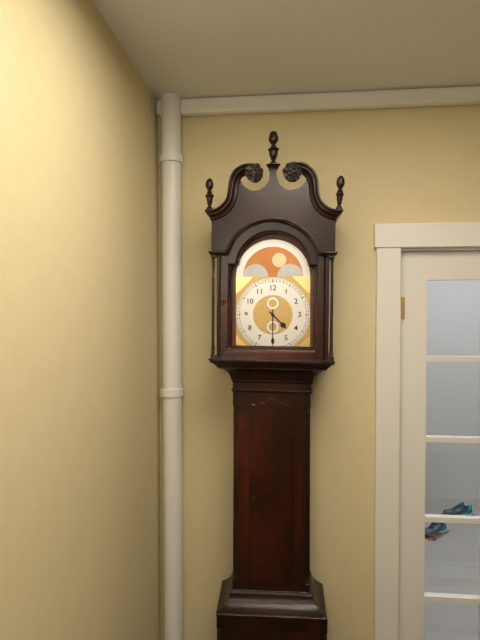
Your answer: **4:30**
